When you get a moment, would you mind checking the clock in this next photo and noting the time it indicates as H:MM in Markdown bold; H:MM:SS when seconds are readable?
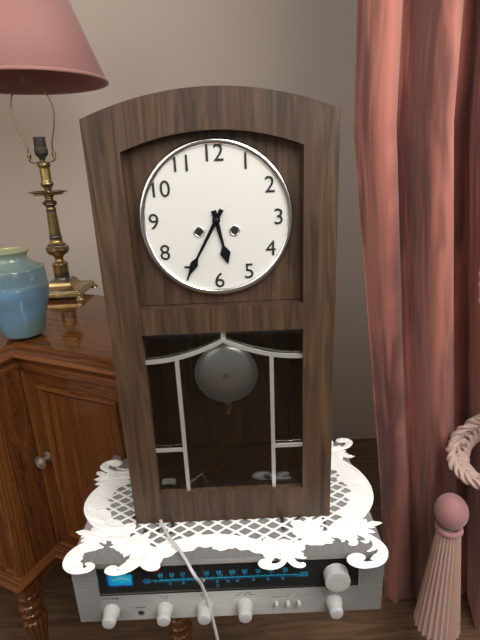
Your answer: **5:35**
